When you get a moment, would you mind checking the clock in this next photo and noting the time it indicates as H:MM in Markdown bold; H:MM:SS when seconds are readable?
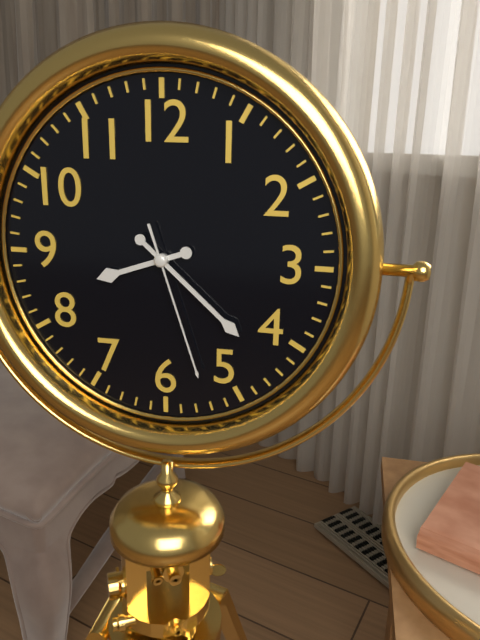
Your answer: **8:22:27**
